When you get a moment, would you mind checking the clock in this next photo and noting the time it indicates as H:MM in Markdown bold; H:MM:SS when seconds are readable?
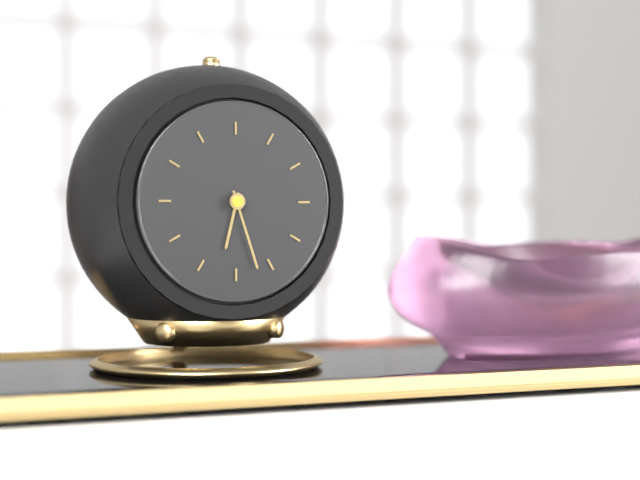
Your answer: **6:27**
